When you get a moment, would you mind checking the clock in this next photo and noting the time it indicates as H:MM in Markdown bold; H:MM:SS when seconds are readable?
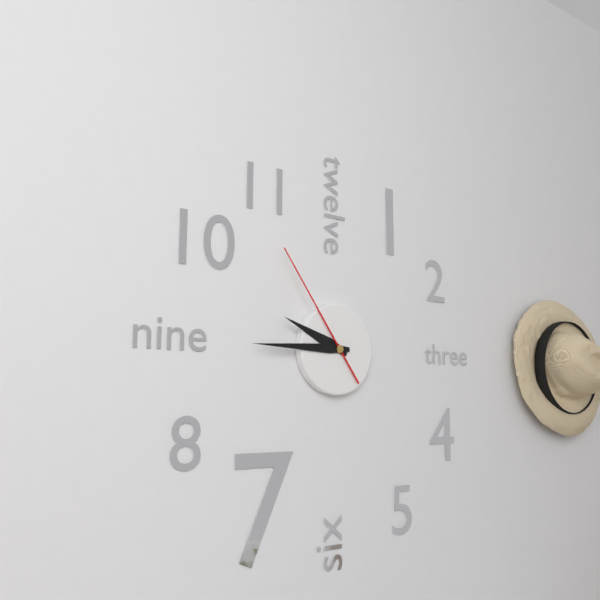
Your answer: **9:45:54**
